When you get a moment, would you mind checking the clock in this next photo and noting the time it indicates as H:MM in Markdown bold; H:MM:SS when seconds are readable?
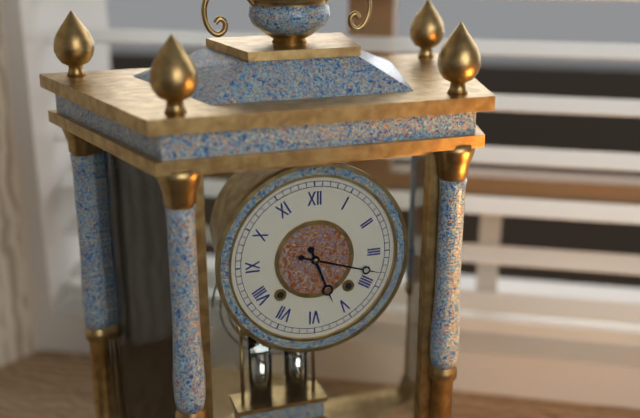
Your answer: **5:18**
